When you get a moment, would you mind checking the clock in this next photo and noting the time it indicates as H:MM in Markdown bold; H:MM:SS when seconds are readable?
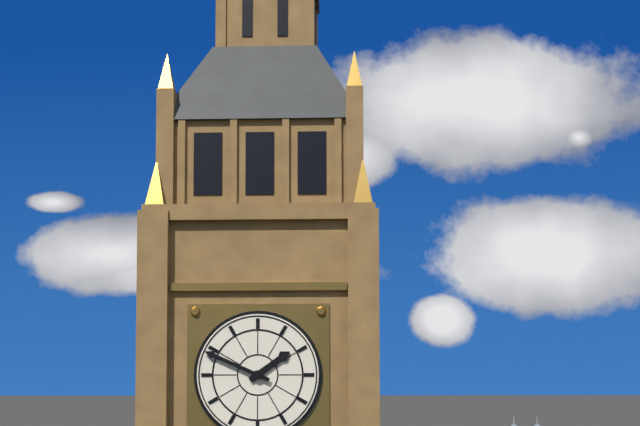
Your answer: **1:49**
